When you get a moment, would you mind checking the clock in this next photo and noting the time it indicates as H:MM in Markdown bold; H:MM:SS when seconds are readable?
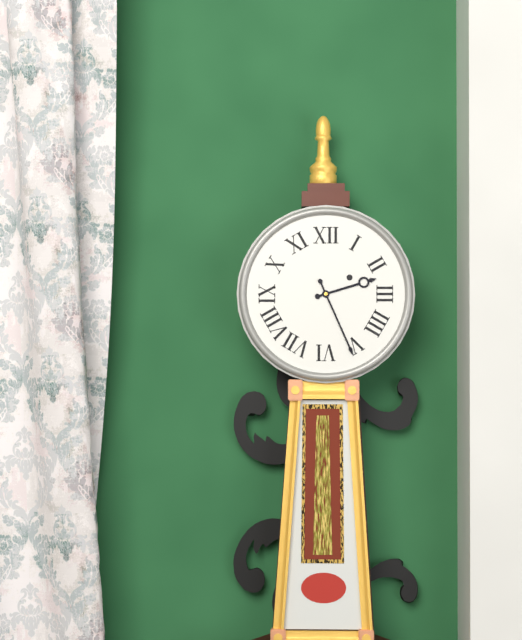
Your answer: **2:26**
